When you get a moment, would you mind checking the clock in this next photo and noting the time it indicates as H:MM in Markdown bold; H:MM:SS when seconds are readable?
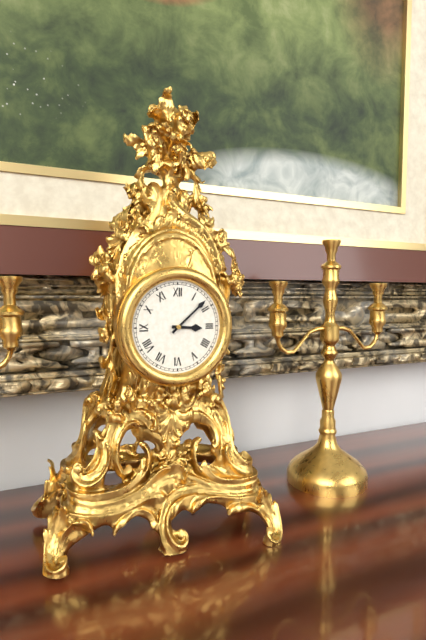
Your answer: **3:08**
